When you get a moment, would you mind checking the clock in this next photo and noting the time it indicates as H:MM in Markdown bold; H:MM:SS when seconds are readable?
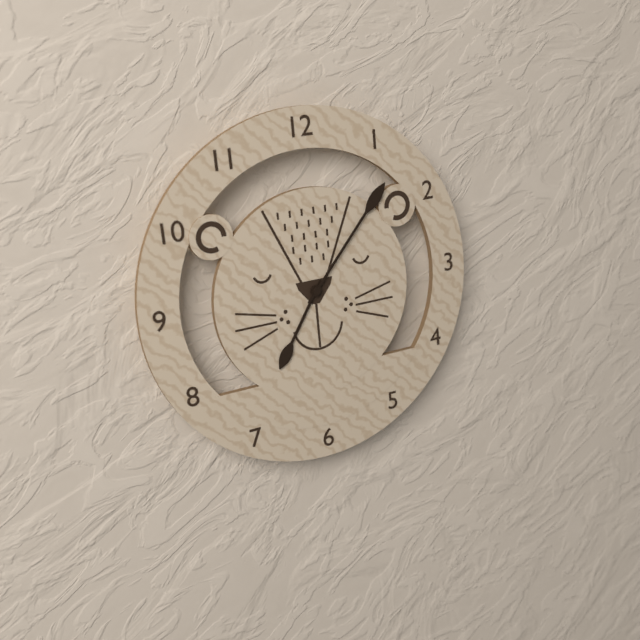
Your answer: **7:07**
